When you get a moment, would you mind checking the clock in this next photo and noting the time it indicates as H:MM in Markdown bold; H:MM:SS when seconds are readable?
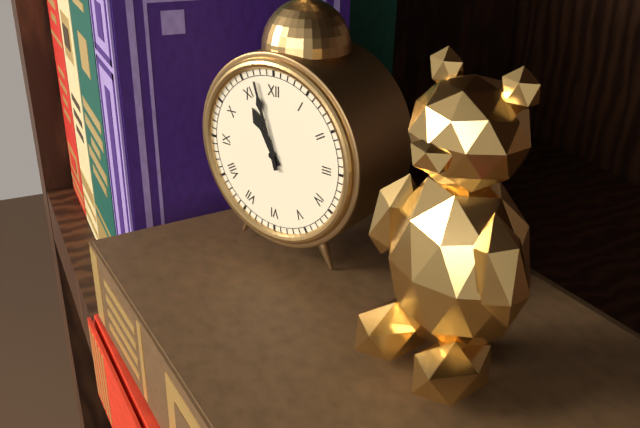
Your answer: **10:57**
